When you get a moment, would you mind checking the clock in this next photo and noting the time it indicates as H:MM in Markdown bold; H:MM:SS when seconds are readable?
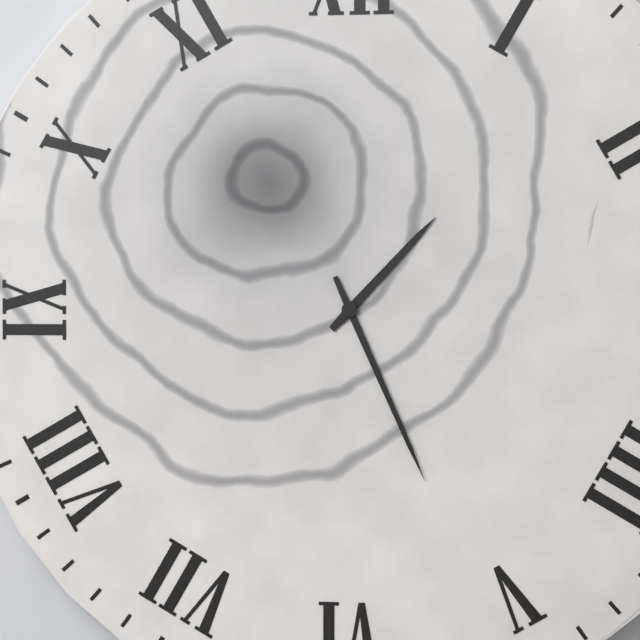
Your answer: **1:26**
